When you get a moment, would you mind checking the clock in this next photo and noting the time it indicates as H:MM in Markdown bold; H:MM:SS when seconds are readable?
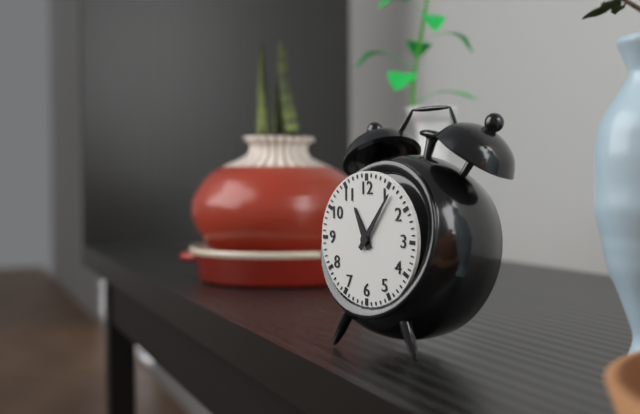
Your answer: **11:06**
